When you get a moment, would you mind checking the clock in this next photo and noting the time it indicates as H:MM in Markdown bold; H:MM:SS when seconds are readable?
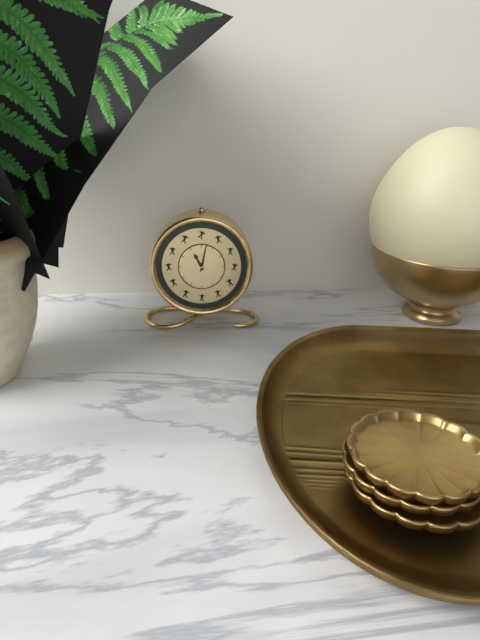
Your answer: **11:02**
